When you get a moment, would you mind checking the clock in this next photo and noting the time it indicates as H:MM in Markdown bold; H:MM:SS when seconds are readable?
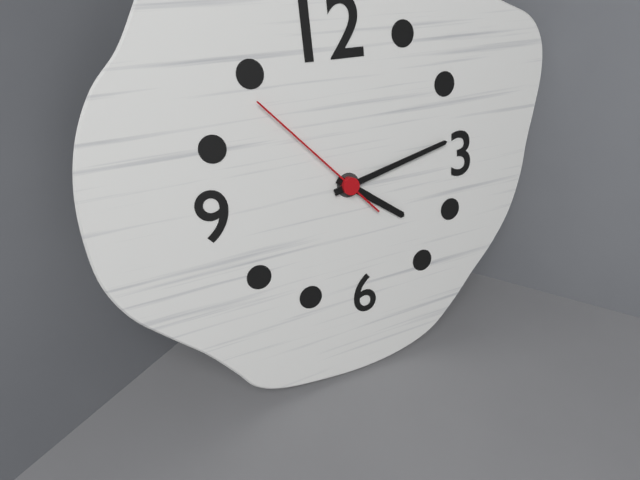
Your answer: **4:13:53**
